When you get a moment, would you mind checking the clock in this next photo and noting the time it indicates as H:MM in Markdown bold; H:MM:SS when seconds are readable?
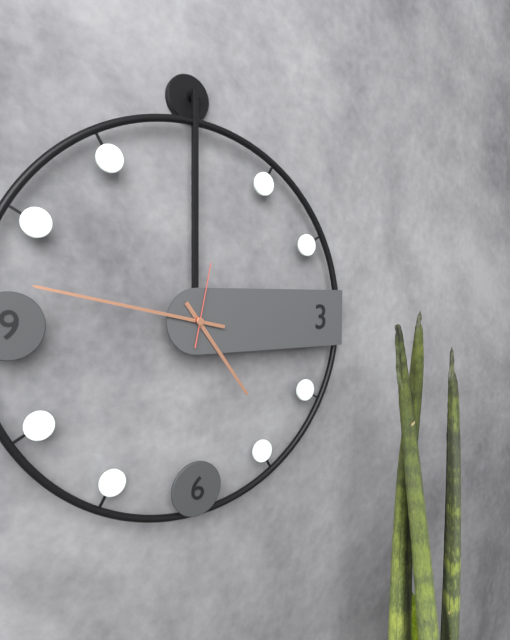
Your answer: **4:47:02**
